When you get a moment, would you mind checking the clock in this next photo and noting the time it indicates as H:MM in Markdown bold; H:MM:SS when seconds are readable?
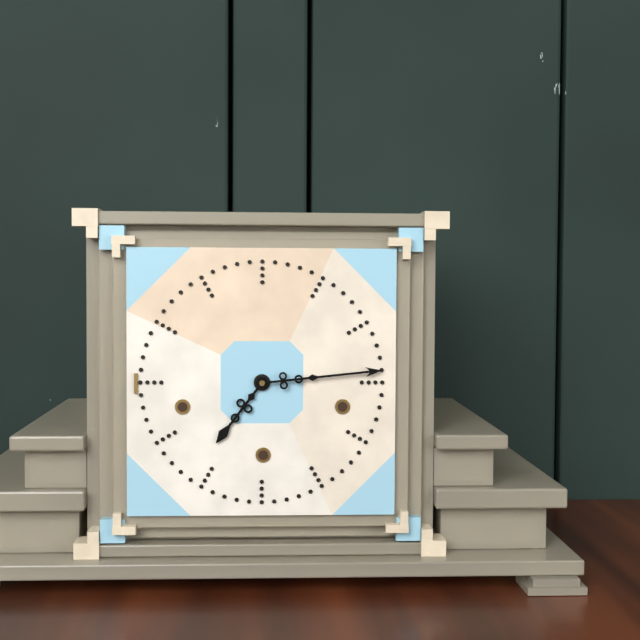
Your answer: **7:14**
